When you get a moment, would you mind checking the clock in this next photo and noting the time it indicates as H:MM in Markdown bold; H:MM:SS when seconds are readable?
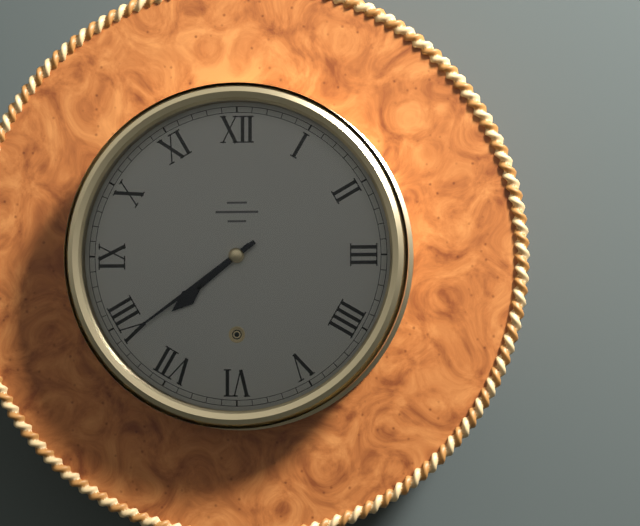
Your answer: **7:39**
